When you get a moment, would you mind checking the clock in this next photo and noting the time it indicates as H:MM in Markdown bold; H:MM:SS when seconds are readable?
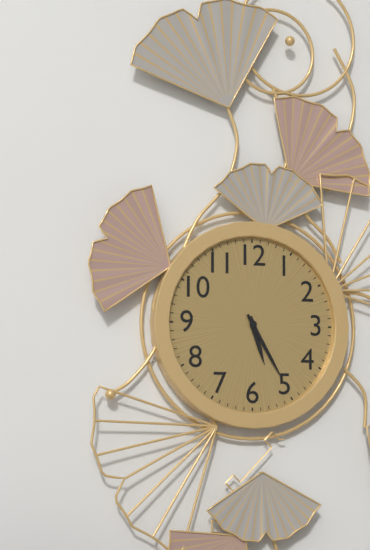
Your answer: **5:25**
